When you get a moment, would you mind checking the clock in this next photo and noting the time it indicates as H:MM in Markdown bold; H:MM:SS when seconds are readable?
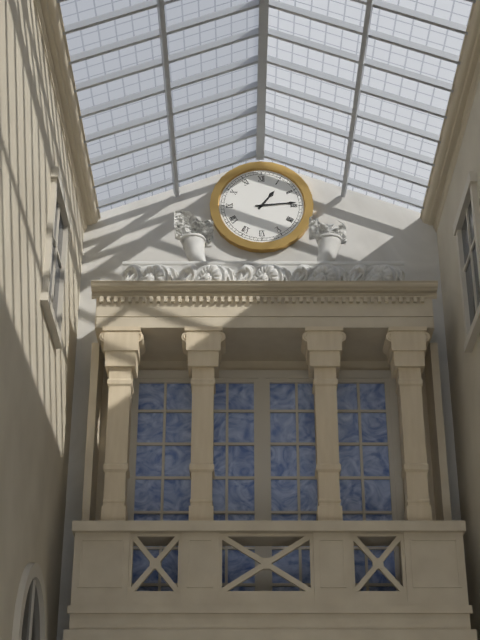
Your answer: **1:14**
